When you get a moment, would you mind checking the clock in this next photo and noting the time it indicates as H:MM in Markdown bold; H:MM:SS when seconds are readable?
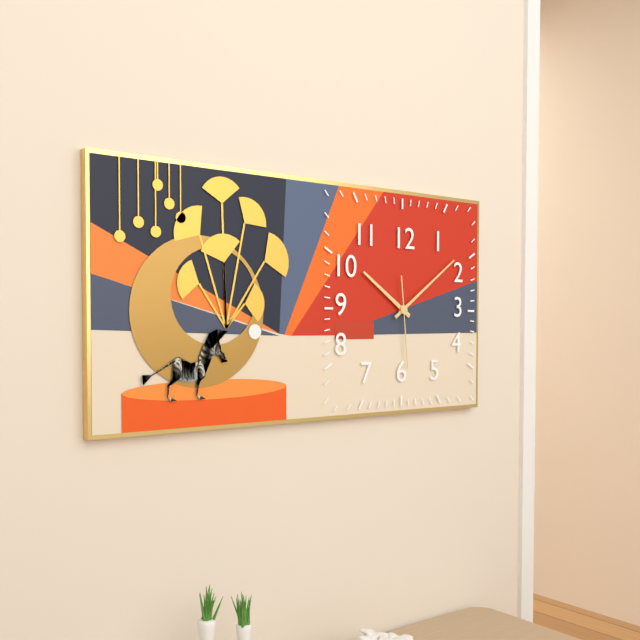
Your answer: **10:09:29**
